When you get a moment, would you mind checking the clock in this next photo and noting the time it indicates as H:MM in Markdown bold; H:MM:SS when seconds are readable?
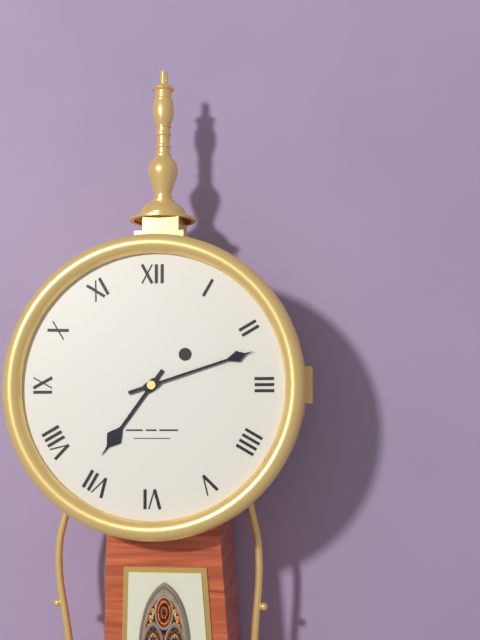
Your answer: **7:12**
